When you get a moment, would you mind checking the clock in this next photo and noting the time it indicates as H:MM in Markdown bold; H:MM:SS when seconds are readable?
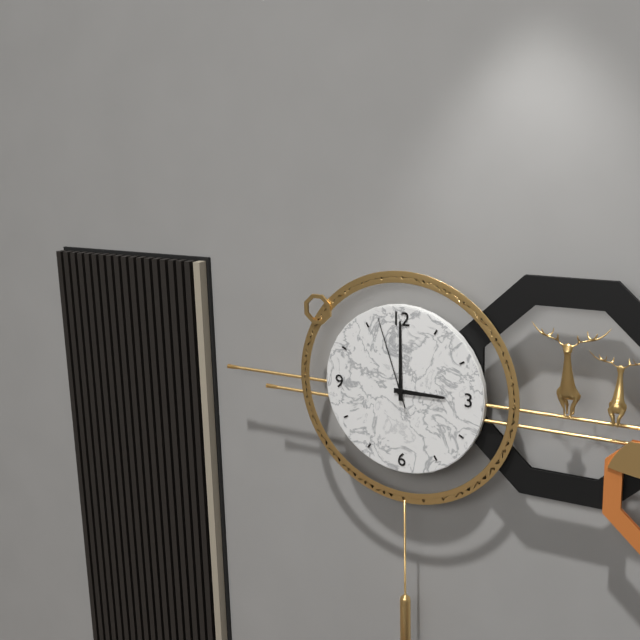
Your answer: **3:00:57**
